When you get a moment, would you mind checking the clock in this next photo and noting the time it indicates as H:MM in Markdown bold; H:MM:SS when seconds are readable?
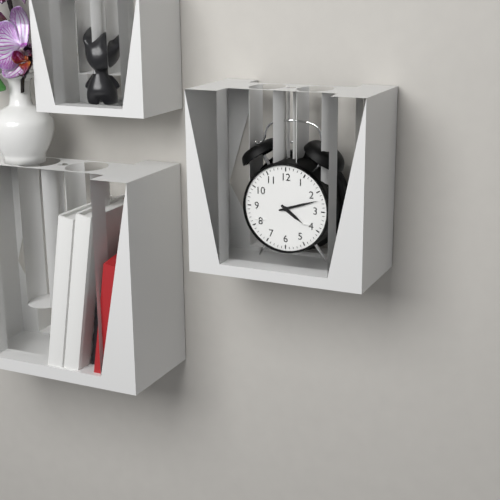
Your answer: **4:12**
